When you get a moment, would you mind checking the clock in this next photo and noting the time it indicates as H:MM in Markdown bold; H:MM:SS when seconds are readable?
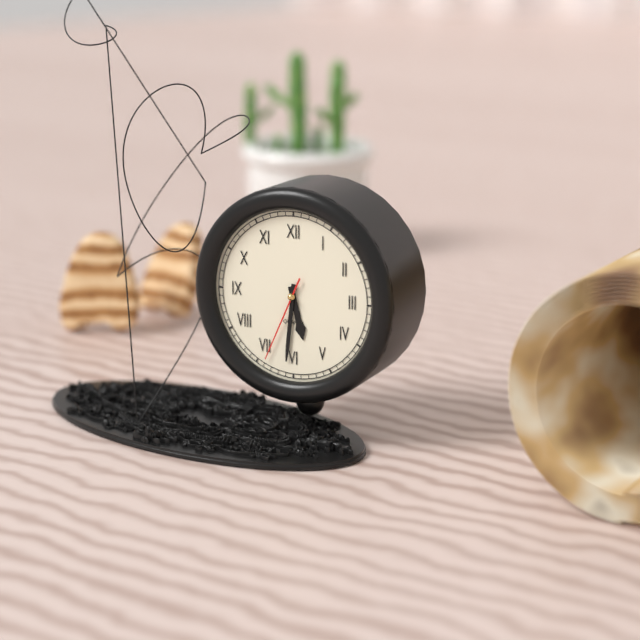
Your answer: **5:31:34**
